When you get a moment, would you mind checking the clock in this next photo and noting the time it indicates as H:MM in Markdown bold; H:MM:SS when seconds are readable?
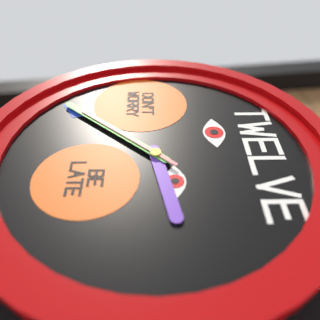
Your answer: **2:37:37**
